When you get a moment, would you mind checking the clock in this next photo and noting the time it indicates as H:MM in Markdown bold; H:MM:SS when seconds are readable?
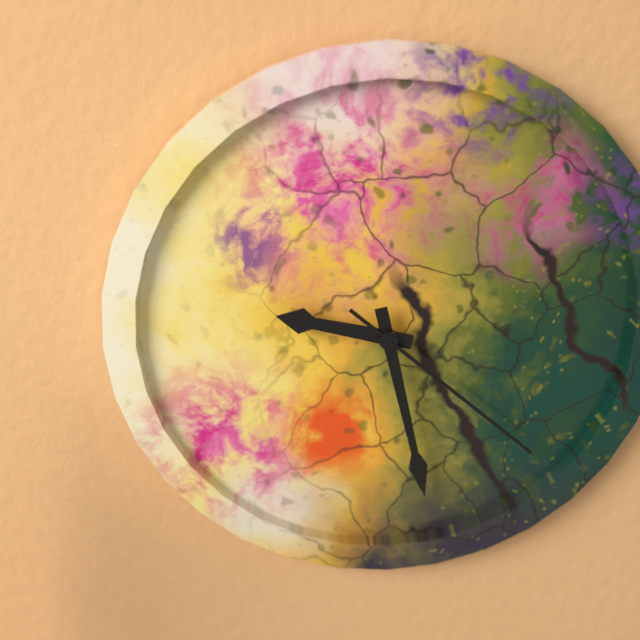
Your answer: **9:28:22**
